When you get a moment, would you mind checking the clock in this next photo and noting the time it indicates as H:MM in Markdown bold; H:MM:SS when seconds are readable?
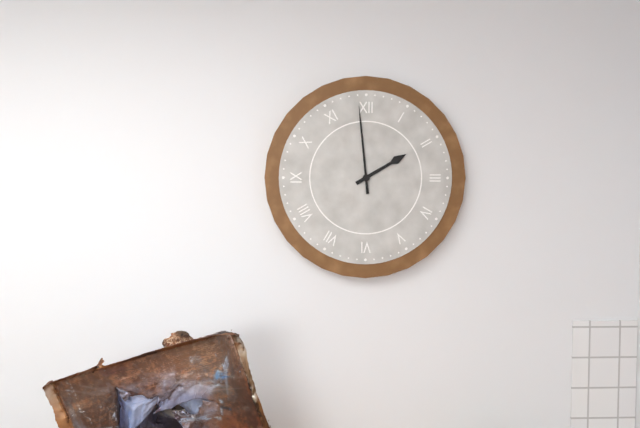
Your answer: **1:59**
